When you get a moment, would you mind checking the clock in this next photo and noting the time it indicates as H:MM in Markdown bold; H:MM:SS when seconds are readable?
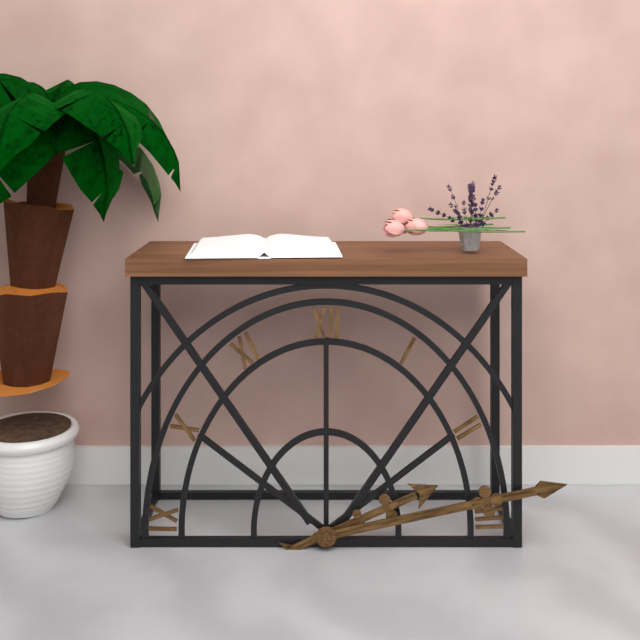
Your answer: **2:13**
